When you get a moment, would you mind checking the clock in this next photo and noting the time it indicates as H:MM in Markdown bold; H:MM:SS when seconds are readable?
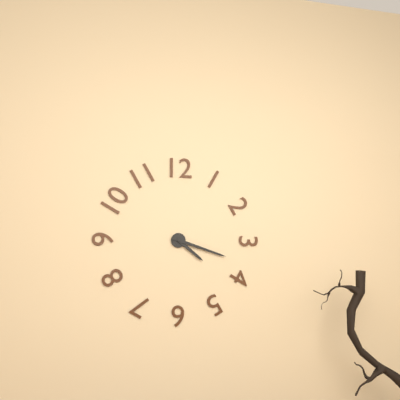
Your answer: **4:18**
